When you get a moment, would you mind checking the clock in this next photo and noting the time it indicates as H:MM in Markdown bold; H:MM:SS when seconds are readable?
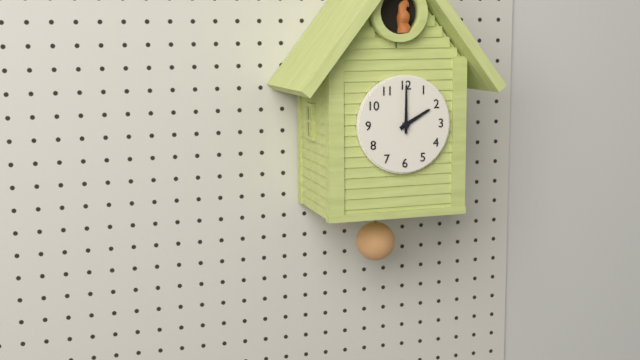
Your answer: **2:00**
